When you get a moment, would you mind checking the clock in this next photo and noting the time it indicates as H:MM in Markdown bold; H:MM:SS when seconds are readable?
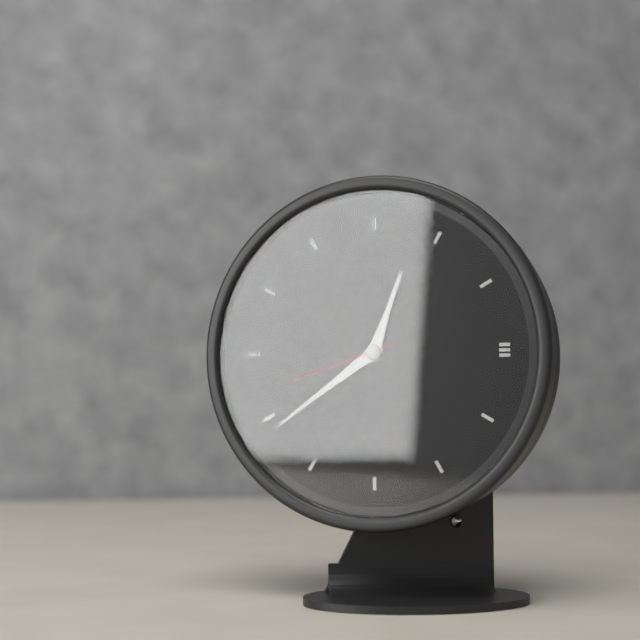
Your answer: **12:39:42**
